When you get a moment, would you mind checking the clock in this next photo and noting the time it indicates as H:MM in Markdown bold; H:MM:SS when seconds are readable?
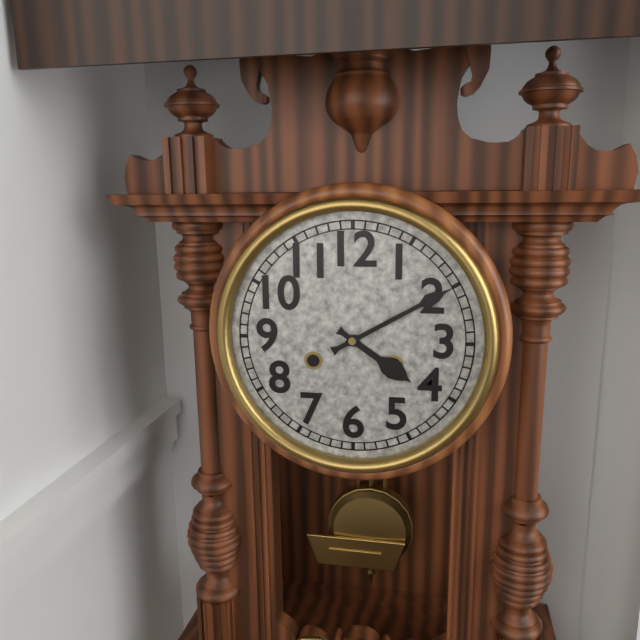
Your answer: **4:10**
